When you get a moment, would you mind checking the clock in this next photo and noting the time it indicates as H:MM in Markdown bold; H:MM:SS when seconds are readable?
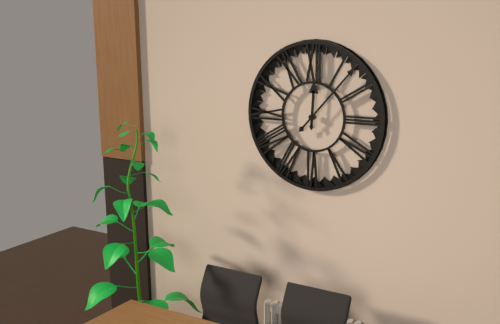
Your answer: **12:07**
